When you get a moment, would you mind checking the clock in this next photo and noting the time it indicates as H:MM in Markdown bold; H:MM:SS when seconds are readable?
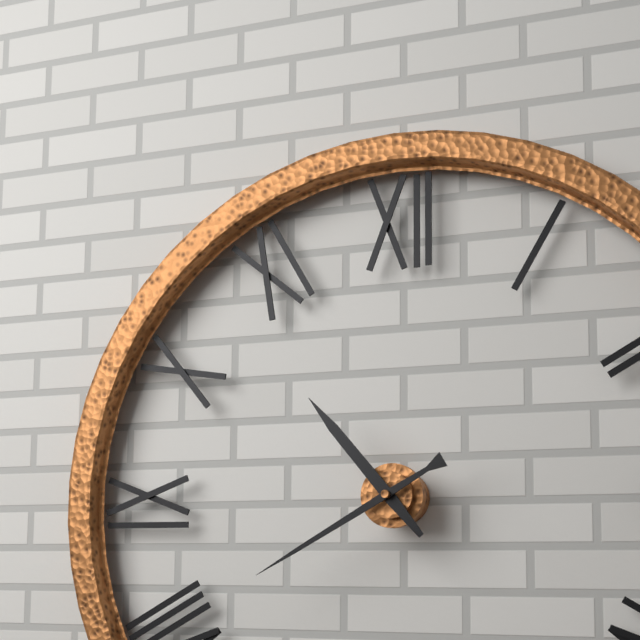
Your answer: **10:40**
